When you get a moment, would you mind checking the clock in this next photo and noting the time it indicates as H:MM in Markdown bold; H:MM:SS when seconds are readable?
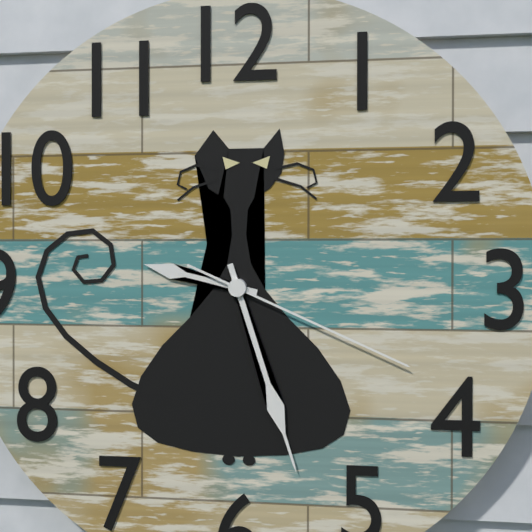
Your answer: **9:27:19**
